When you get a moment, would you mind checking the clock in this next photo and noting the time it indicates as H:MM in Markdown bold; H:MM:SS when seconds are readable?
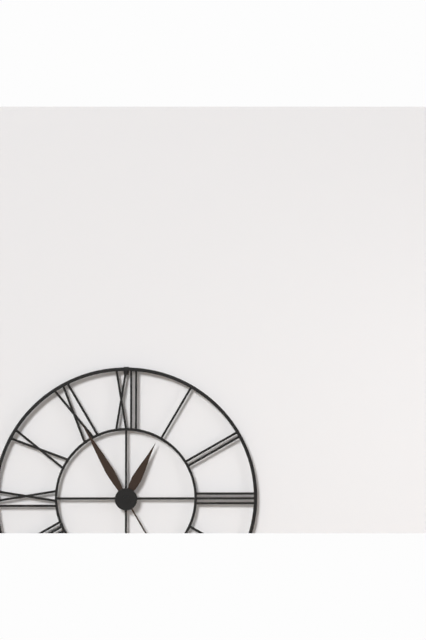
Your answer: **12:55**
